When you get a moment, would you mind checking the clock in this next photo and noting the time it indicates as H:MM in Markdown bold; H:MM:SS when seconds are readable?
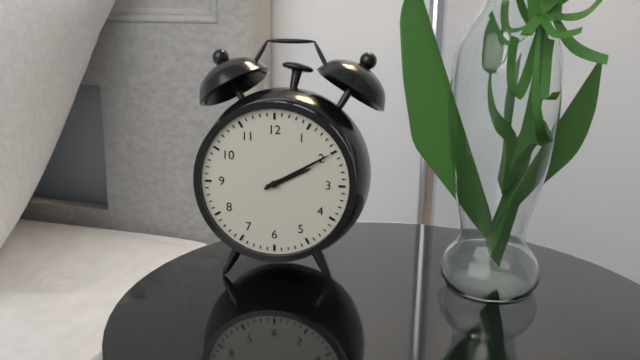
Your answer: **2:10**
